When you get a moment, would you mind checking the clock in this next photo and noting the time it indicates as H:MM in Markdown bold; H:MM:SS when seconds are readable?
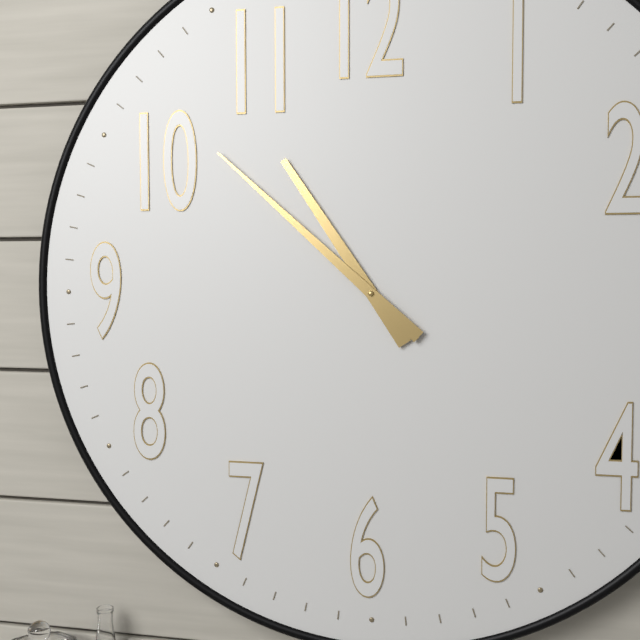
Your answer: **10:52**
